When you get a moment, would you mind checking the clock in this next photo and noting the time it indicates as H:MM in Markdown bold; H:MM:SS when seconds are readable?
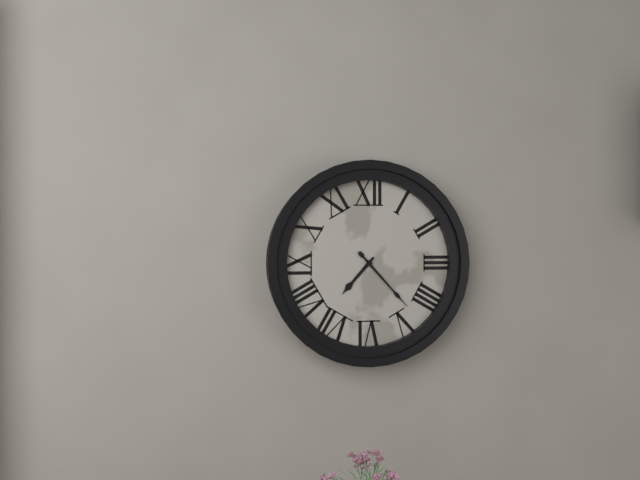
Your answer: **7:23**
